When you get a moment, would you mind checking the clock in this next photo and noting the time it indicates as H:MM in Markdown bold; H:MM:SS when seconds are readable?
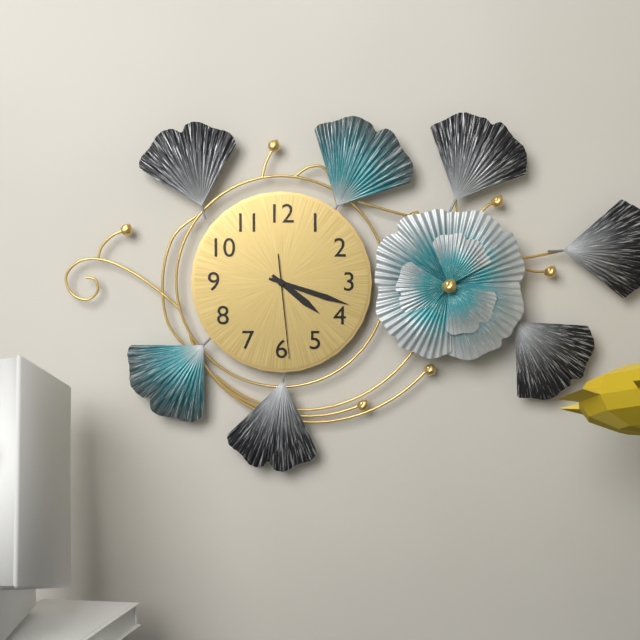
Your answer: **4:18:29**
